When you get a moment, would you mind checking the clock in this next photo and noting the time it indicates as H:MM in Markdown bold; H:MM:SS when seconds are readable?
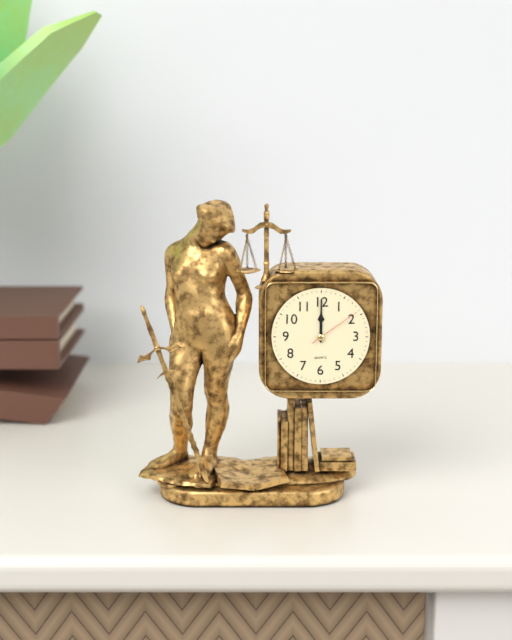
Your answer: **12:00:09**
